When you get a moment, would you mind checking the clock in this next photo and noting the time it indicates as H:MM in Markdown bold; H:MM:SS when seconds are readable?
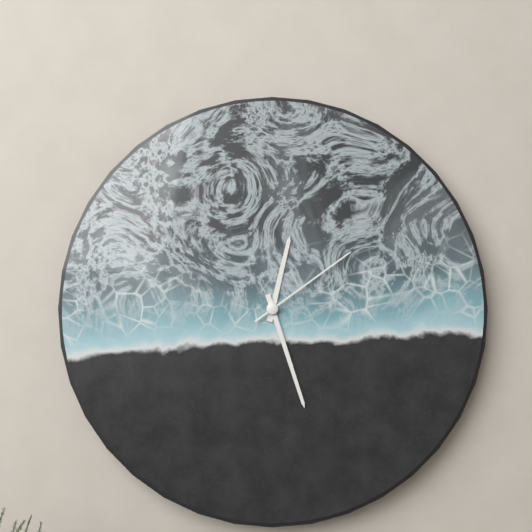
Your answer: **12:27:09**
